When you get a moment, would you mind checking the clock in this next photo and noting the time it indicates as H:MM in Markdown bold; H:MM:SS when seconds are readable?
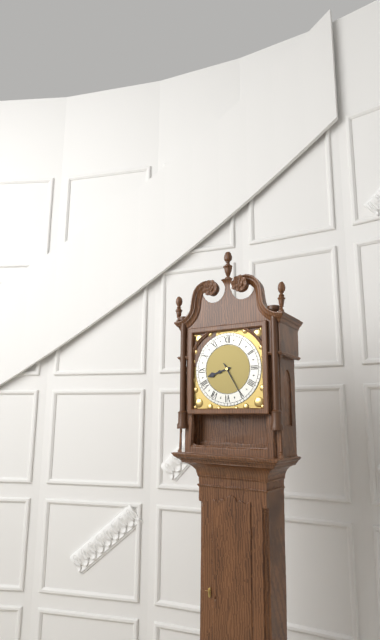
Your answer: **8:25**
